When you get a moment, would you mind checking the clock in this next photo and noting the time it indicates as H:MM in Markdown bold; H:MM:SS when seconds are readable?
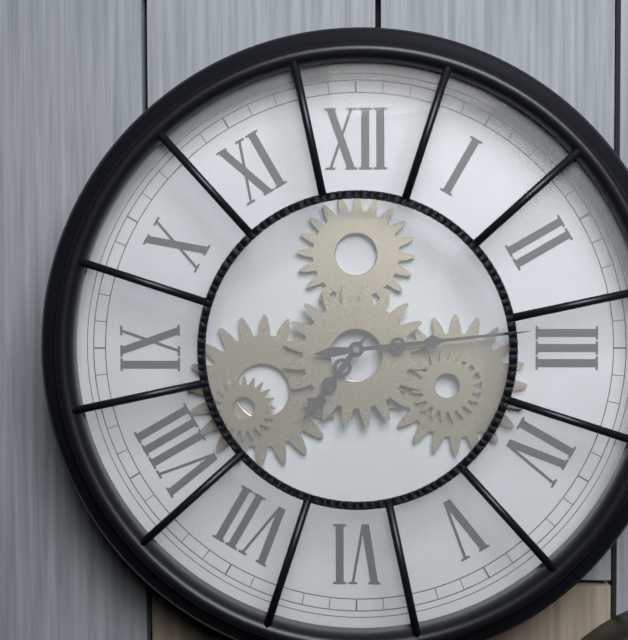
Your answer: **7:14**
